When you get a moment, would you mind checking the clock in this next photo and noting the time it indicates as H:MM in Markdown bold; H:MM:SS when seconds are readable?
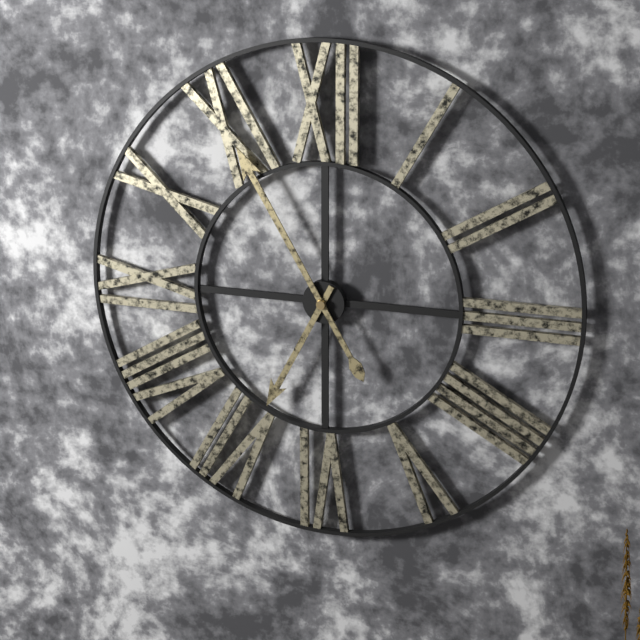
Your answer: **6:55**
